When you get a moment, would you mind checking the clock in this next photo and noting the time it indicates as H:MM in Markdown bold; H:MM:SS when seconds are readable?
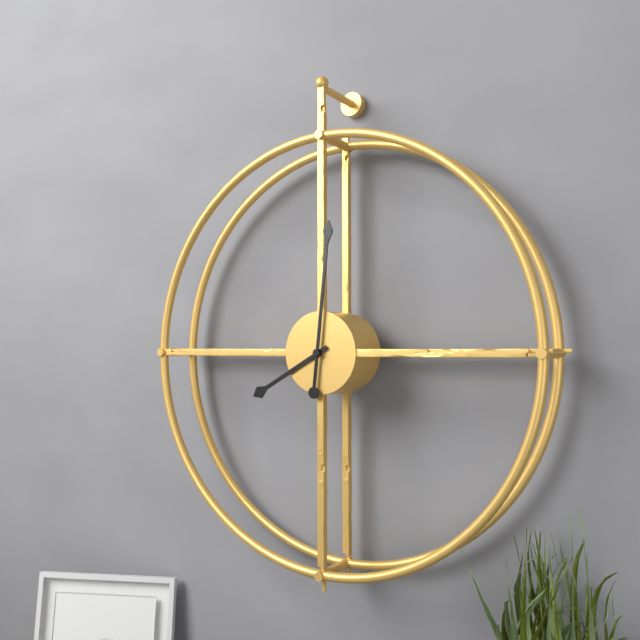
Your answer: **8:01**
